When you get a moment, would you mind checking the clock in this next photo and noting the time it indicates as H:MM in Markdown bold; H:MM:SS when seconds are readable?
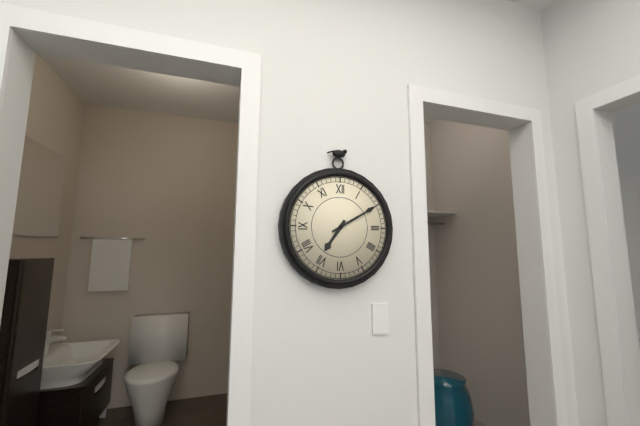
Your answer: **7:10**
